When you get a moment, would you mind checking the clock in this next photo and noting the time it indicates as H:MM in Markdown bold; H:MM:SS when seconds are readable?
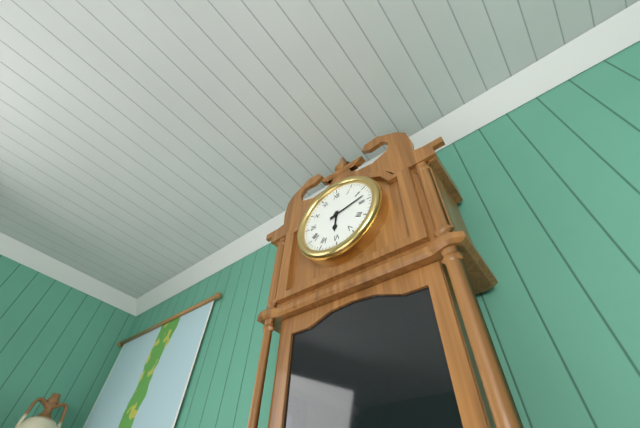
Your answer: **6:13**
